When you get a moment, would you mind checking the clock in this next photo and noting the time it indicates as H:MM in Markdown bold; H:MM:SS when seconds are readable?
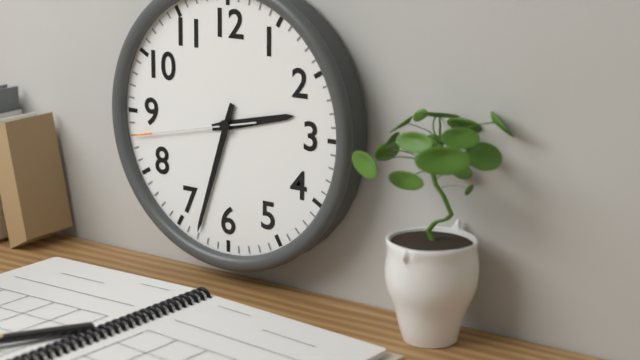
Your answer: **2:33:43**
